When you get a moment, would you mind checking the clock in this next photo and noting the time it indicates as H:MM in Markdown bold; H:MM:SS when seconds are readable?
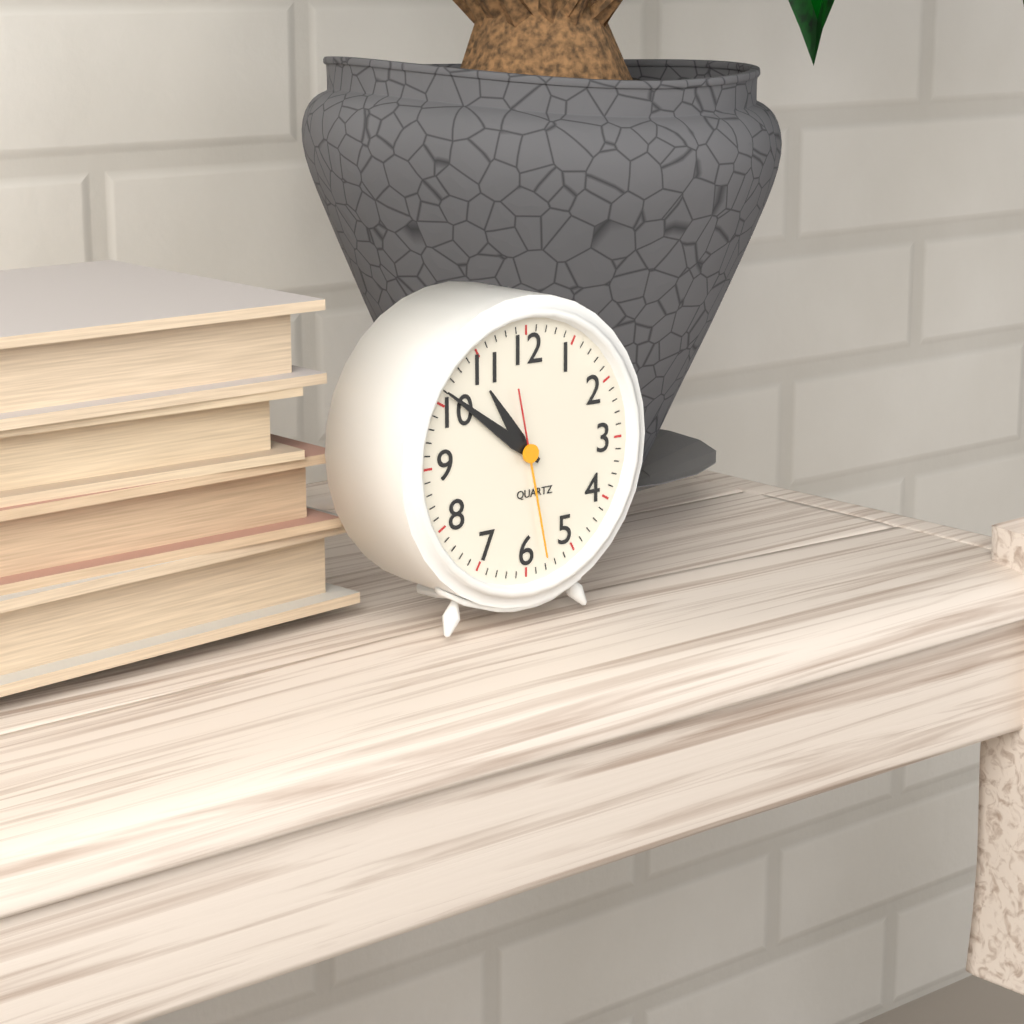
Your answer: **10:51:28**
